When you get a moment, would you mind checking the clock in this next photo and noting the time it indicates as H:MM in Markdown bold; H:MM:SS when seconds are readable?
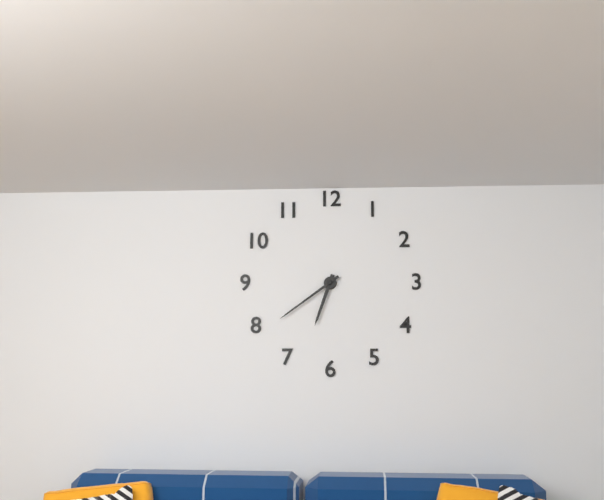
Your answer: **6:39**
